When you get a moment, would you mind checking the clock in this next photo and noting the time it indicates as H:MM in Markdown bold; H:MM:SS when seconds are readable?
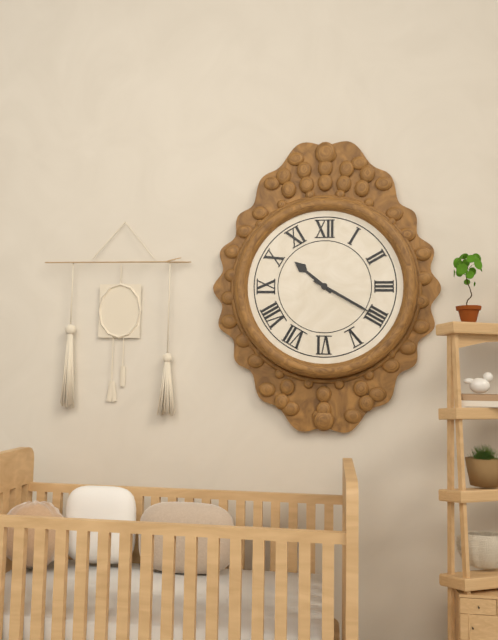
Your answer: **10:20**
